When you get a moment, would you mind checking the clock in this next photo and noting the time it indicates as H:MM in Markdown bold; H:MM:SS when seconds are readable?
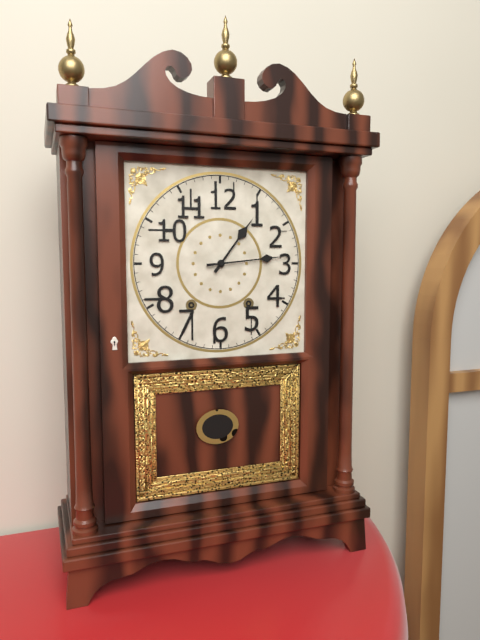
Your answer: **1:14**
